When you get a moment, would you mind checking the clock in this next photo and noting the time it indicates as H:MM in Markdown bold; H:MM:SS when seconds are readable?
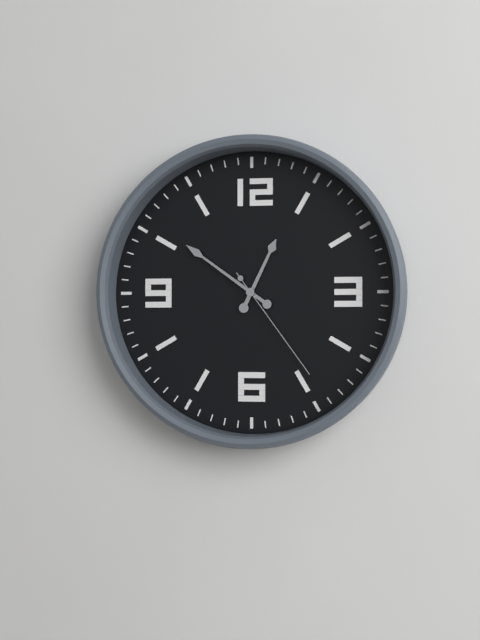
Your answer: **12:51:24**
